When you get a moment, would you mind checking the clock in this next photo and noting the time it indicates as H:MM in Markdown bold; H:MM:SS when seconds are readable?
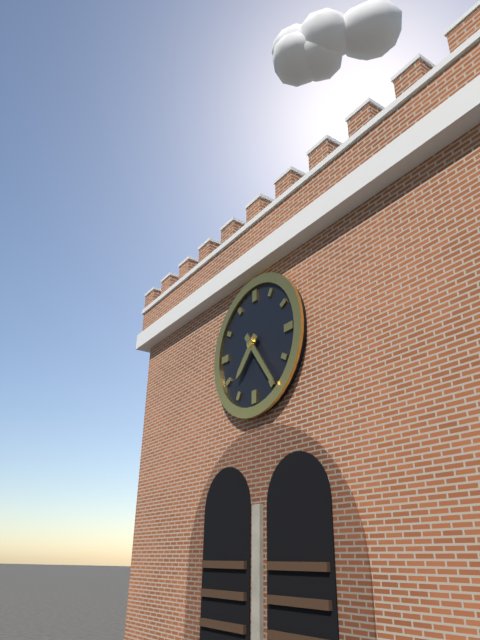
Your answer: **7:24**
